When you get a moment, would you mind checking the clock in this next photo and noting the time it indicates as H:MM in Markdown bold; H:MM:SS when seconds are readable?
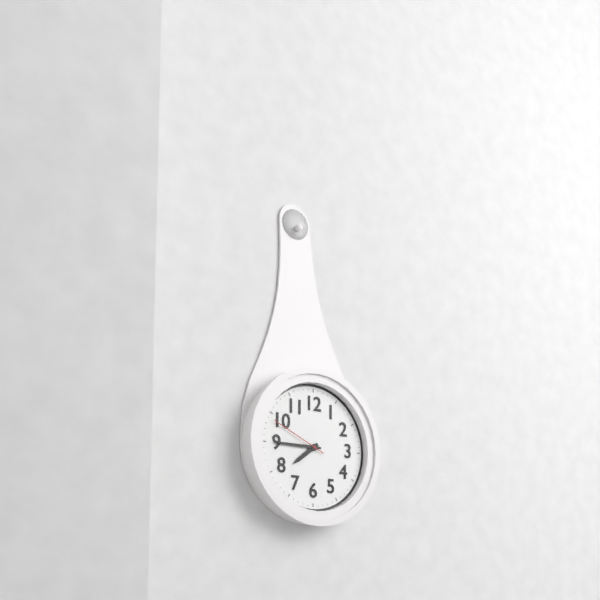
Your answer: **7:45:49**
